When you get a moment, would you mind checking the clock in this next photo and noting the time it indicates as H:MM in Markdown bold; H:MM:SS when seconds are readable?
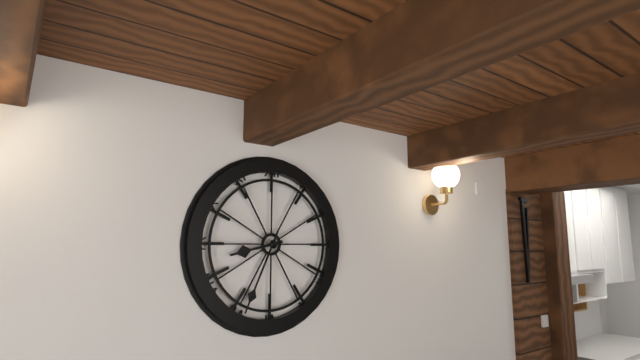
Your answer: **8:34**
